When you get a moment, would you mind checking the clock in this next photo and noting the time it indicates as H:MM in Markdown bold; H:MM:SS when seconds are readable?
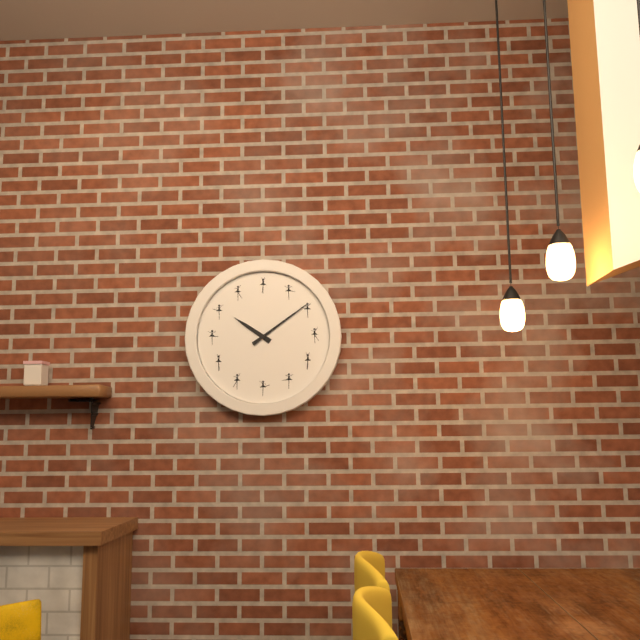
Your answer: **10:09**
